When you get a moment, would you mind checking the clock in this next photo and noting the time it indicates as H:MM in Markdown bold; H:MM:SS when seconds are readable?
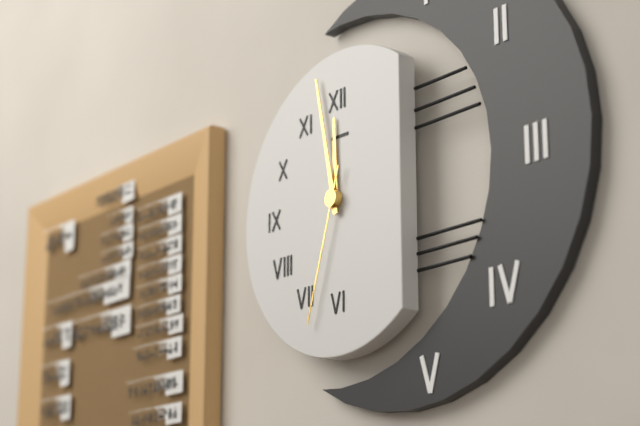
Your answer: **11:58:33**
